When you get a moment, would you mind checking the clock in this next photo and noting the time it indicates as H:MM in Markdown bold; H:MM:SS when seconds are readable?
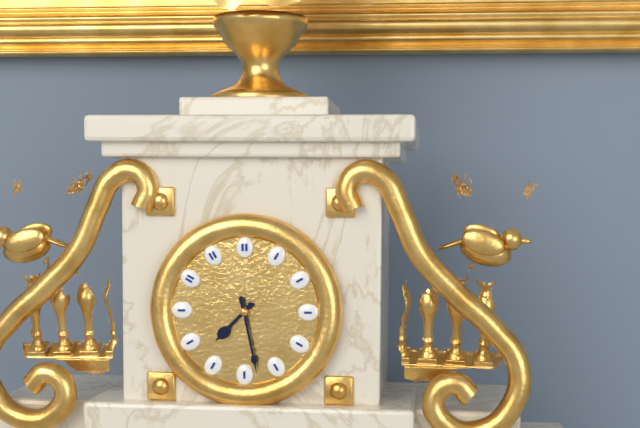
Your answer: **7:28**
